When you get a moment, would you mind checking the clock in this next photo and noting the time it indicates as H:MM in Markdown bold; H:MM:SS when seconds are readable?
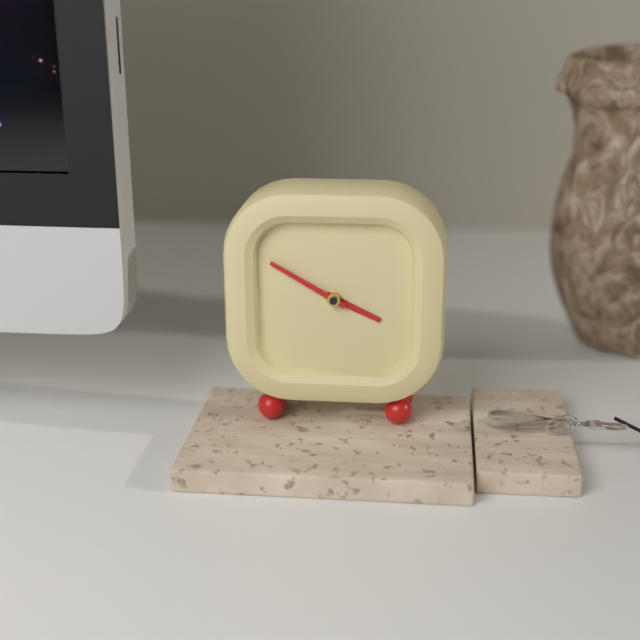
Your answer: **3:50**
